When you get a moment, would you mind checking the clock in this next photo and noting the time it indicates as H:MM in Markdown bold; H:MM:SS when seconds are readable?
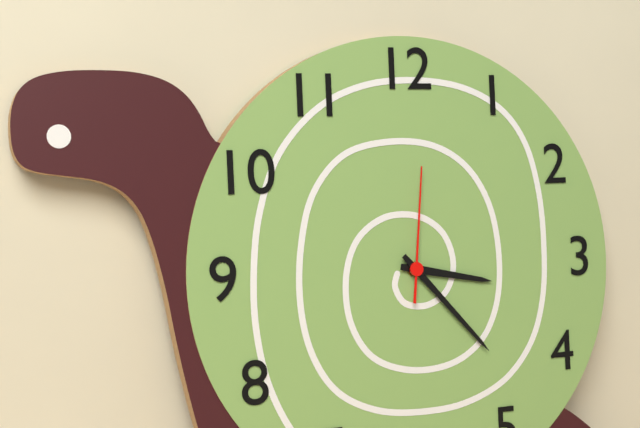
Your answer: **3:23:01**
